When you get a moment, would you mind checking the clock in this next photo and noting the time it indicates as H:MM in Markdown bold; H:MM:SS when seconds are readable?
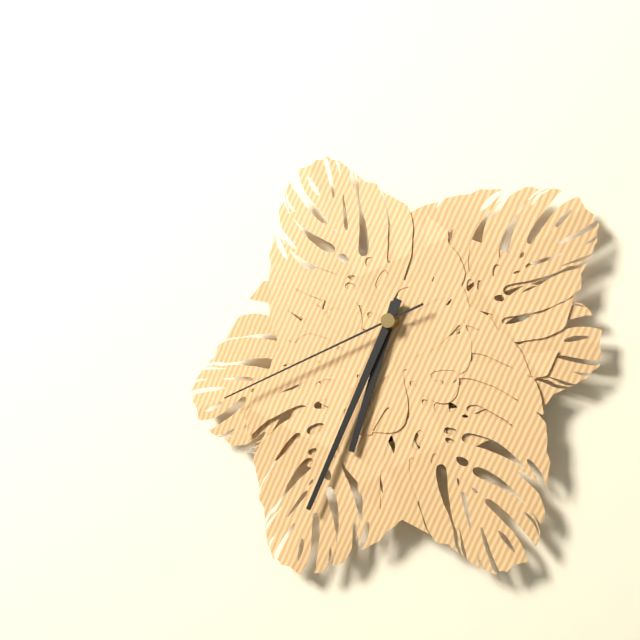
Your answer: **6:34:41**
